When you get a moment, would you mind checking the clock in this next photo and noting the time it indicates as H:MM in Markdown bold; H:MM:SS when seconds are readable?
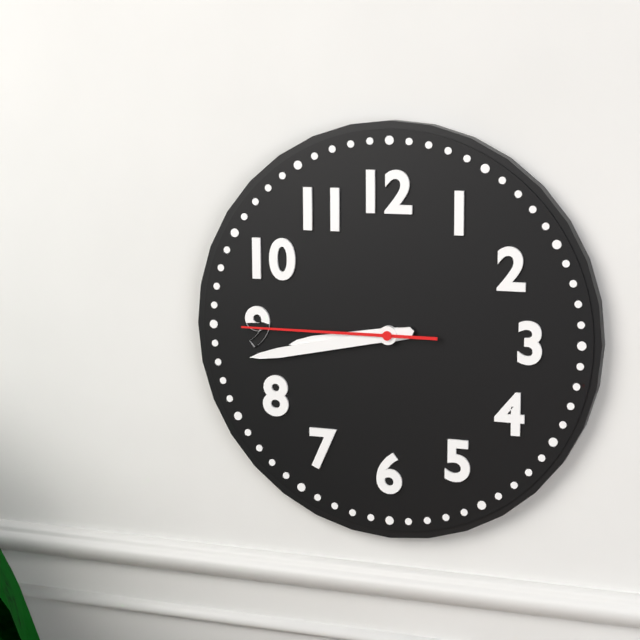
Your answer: **8:43:45**
